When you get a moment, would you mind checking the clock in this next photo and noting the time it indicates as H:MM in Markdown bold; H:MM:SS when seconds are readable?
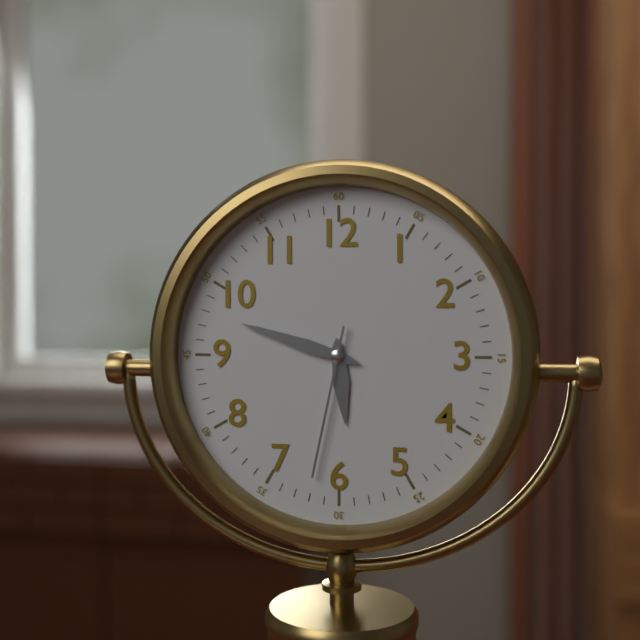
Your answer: **5:48:32**
